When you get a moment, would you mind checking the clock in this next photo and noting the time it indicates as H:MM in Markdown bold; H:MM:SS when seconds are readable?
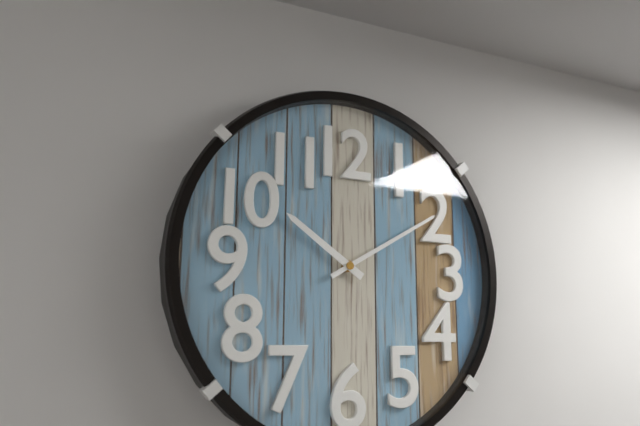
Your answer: **10:10**
